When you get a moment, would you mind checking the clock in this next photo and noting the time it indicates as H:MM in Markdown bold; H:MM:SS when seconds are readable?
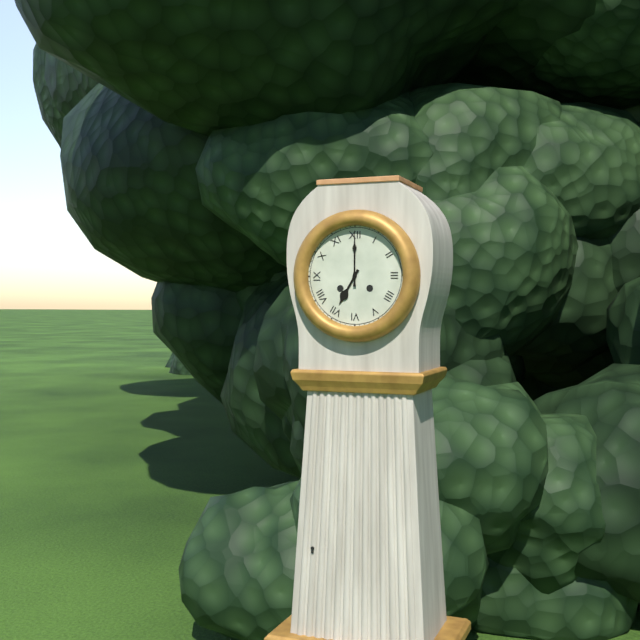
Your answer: **7:00**
